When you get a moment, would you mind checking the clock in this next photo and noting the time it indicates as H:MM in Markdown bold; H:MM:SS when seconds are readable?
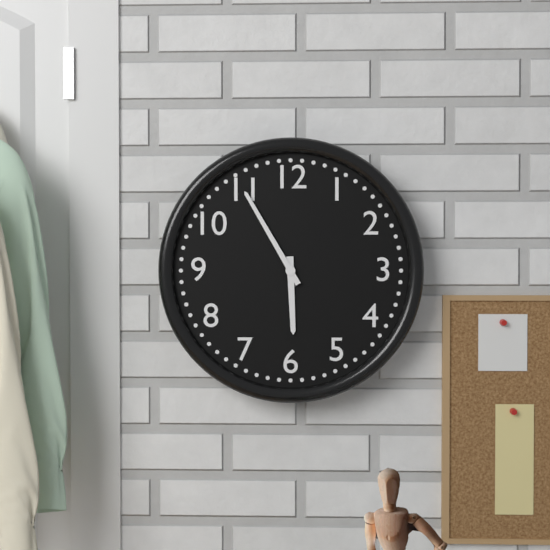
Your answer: **5:55**
